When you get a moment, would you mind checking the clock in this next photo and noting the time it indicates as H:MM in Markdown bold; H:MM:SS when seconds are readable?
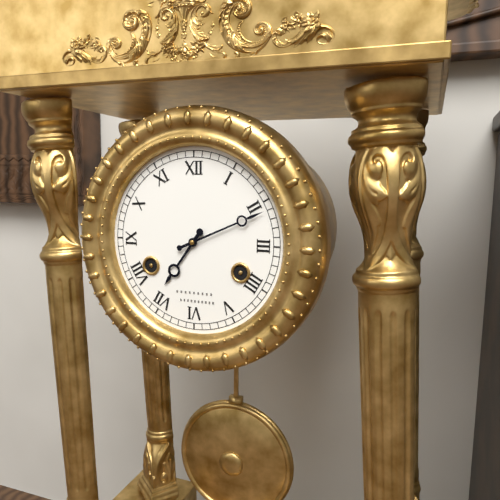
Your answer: **7:11**
